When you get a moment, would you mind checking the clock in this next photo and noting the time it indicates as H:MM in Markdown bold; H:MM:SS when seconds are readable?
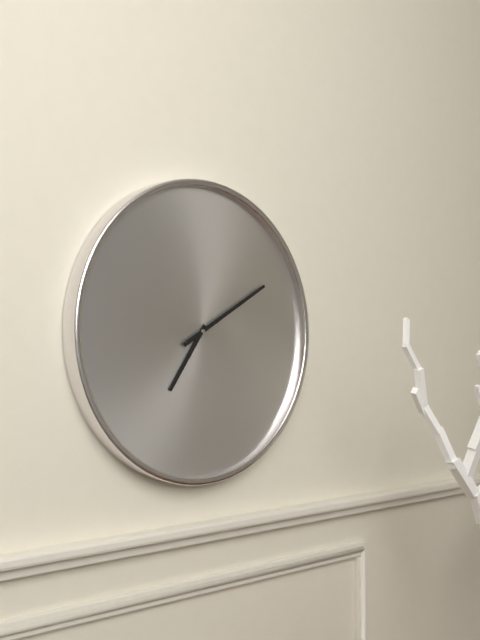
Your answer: **7:10**
